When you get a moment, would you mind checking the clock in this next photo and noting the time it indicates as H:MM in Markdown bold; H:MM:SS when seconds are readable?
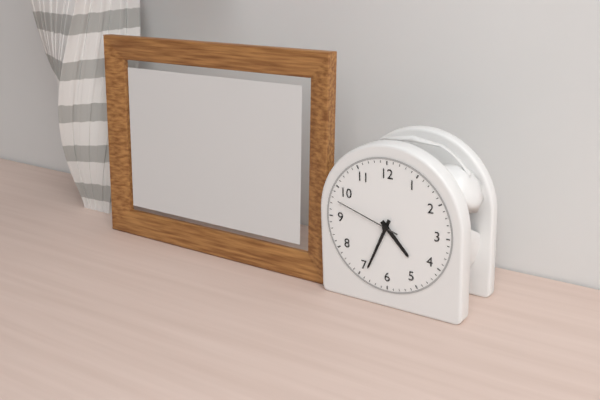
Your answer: **4:34:48**
